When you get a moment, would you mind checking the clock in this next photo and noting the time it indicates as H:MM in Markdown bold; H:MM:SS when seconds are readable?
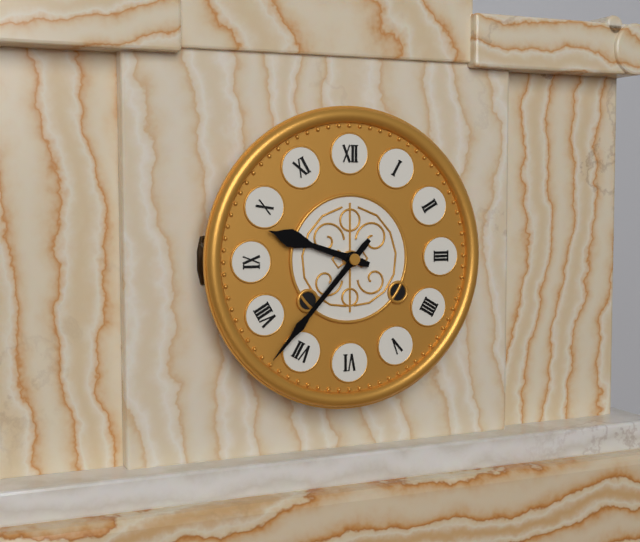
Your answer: **9:37**
